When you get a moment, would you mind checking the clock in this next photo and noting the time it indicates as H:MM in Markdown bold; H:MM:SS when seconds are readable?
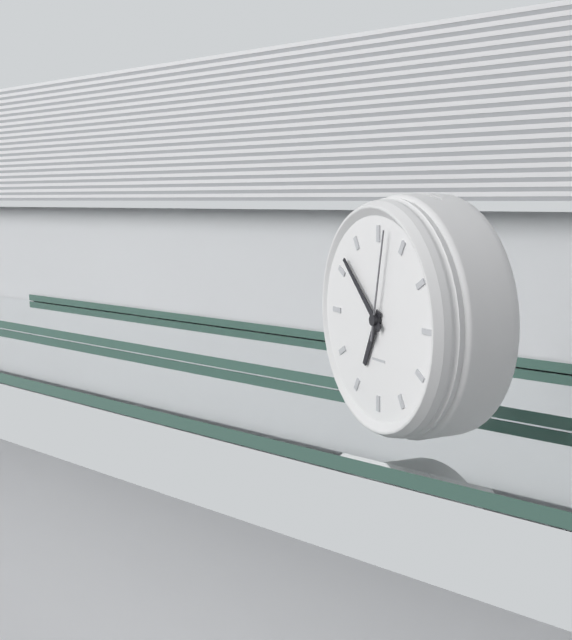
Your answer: **6:52:02**
